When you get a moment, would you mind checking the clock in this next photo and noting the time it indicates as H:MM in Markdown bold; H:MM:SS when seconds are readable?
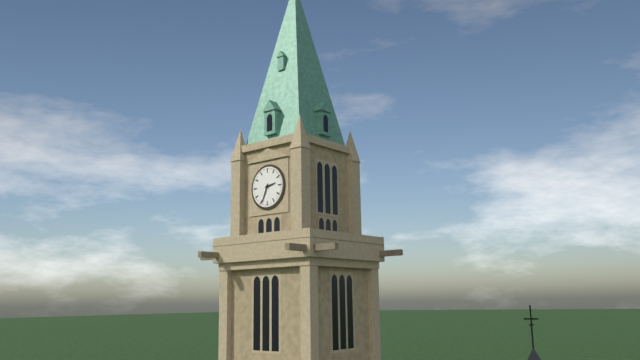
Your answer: **2:34**
